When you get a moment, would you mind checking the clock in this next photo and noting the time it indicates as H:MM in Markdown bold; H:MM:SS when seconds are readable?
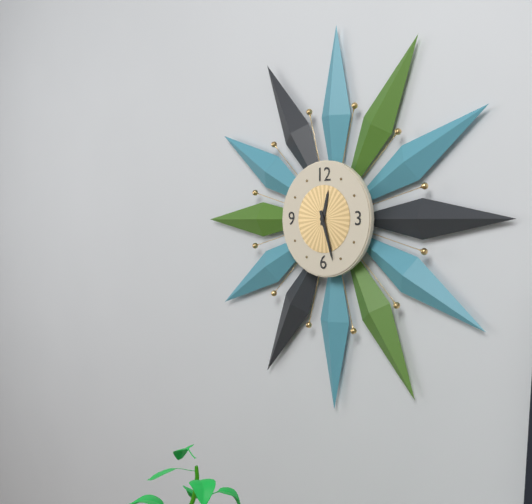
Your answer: **12:27**
